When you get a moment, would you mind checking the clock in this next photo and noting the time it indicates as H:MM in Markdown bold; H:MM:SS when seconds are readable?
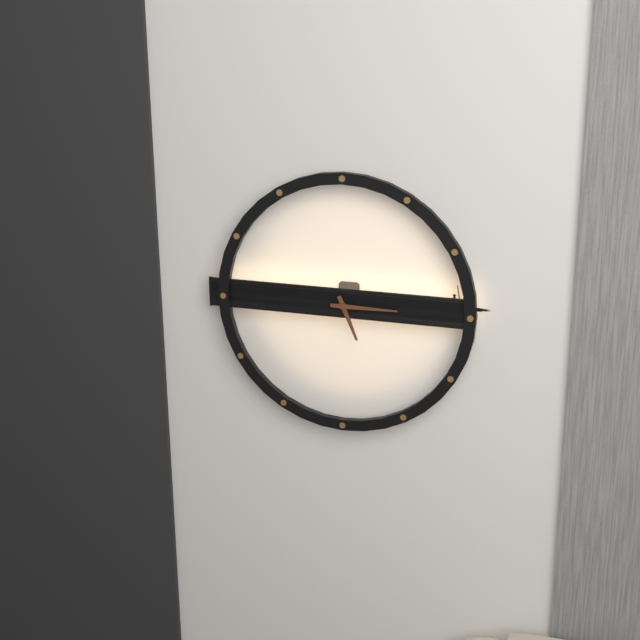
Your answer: **5:15**
